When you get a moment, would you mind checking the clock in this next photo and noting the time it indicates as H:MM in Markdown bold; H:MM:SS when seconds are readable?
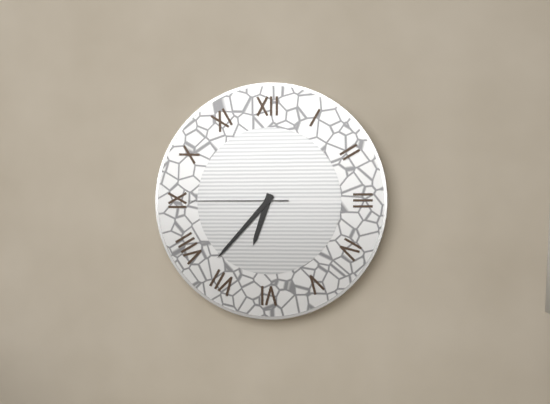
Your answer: **6:37:45**
